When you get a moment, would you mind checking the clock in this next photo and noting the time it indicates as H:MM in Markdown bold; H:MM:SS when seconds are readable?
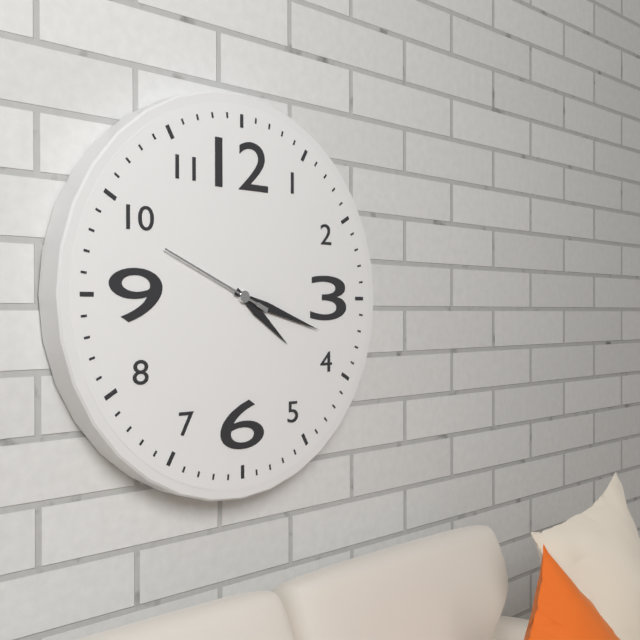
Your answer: **4:18:49**
